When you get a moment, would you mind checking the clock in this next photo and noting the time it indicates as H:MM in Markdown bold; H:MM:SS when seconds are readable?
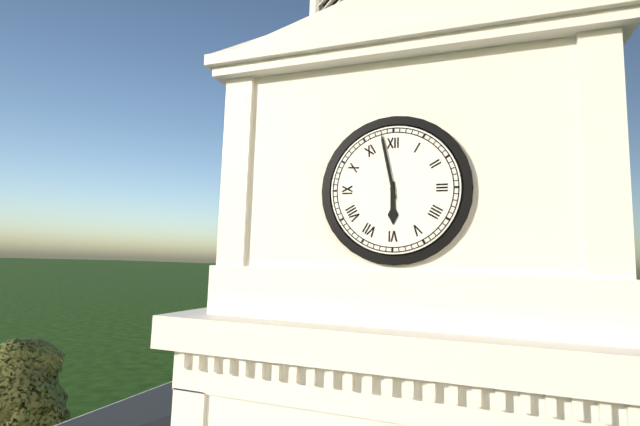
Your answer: **5:58**
